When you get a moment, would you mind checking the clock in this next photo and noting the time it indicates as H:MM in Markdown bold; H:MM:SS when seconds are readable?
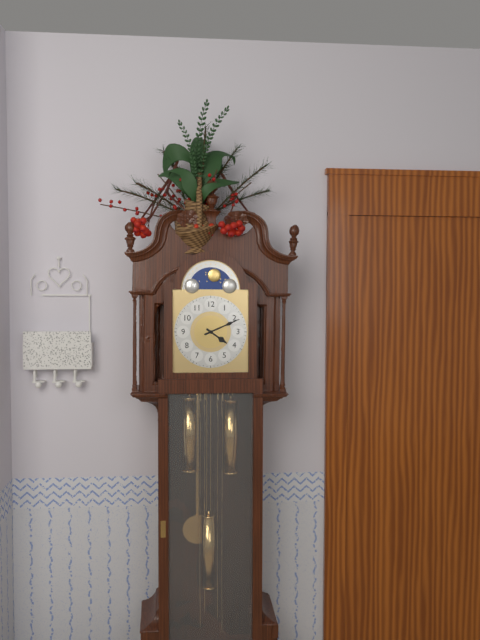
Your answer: **4:11**
